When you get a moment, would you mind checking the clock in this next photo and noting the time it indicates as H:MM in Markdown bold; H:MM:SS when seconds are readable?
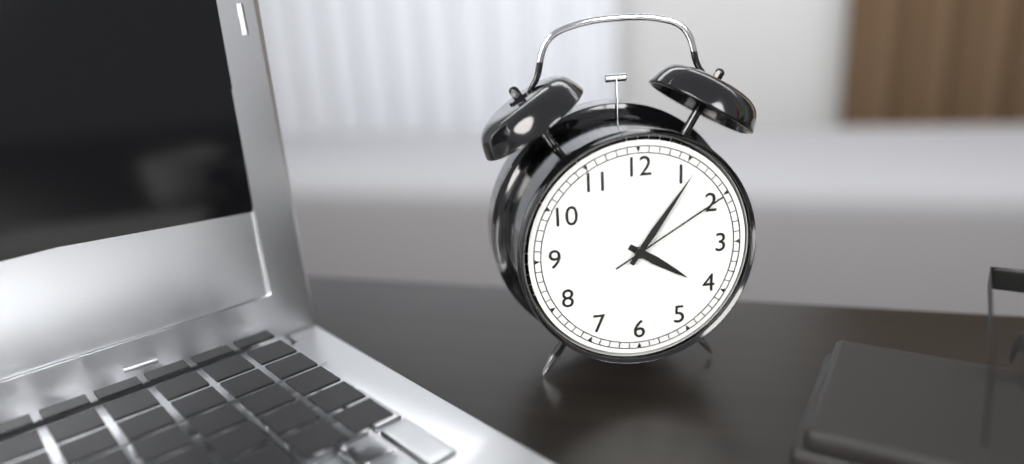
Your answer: **4:06:10**
